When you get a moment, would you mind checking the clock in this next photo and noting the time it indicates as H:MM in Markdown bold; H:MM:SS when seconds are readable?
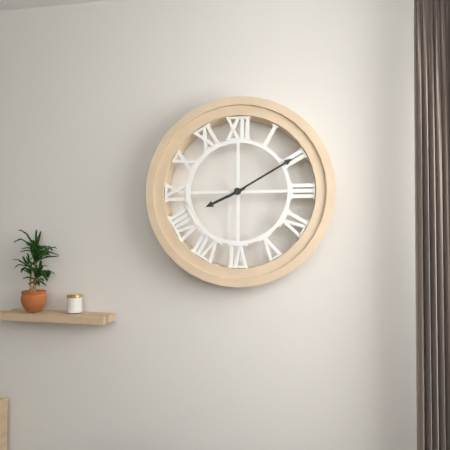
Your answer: **8:10**
